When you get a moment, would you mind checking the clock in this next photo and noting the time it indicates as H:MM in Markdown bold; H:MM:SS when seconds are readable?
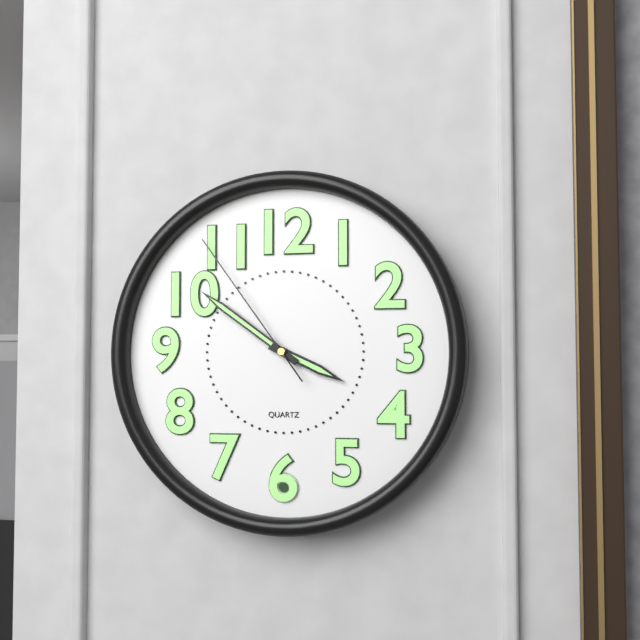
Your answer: **3:51:54**
